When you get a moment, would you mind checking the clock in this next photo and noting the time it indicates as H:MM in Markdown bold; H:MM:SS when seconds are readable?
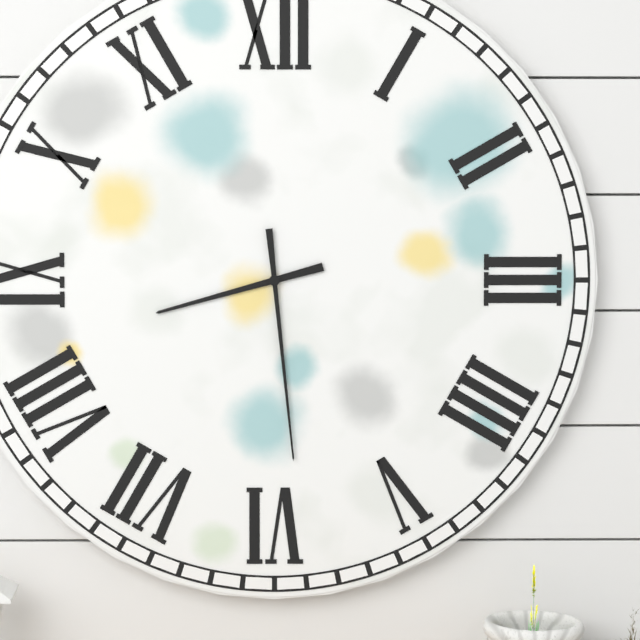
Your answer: **8:29**
